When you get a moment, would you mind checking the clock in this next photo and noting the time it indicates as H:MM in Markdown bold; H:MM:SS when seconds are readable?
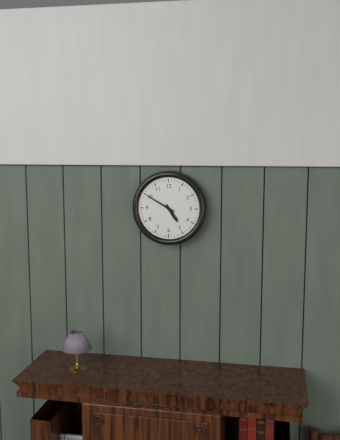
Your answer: **4:50**
